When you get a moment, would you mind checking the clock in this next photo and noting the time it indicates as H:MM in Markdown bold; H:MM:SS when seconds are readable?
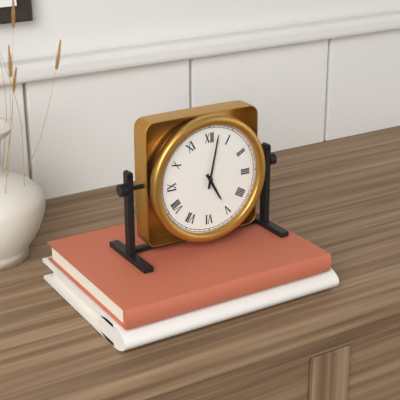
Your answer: **5:02**
